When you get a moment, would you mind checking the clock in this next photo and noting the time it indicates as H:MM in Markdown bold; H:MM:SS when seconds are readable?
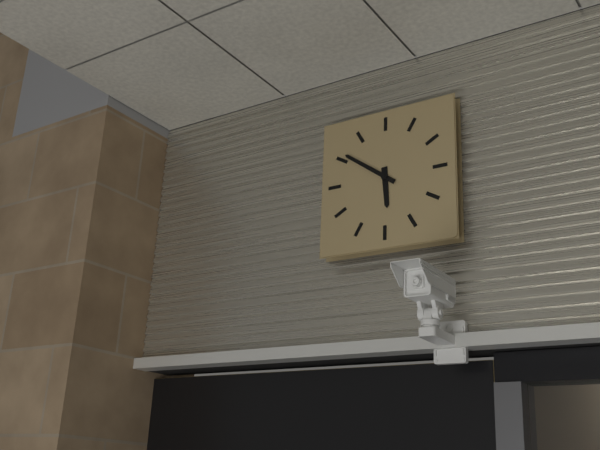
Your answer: **5:51**
